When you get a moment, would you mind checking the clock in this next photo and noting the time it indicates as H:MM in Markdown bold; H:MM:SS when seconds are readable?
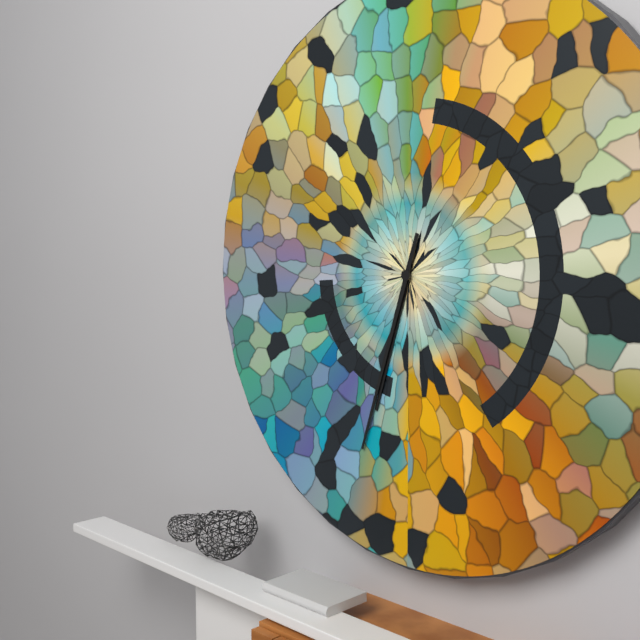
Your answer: **6:33**
